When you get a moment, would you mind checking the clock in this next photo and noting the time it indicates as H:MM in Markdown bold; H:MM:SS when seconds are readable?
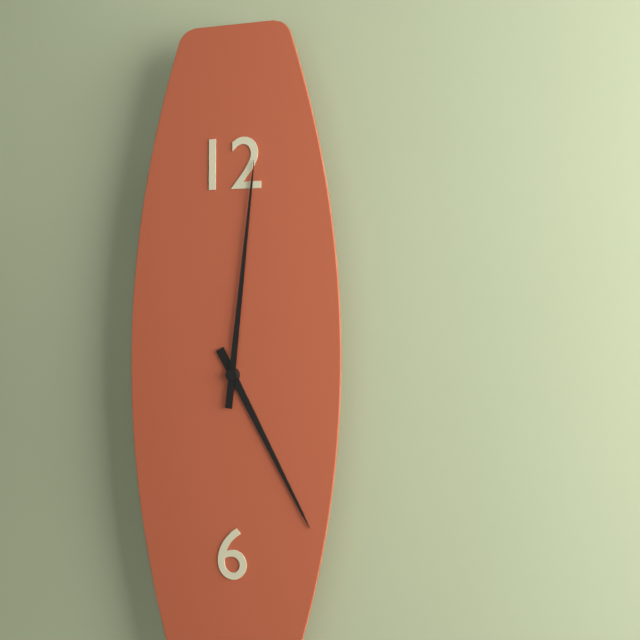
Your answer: **5:01**
